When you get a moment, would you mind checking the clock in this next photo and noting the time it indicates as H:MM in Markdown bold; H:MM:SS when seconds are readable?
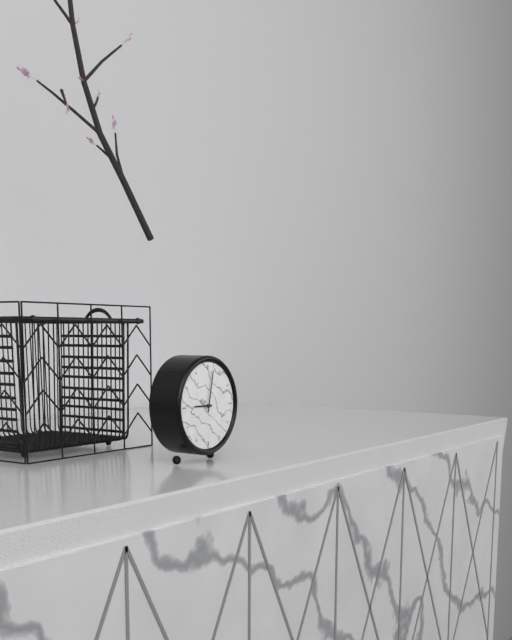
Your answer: **9:02**
